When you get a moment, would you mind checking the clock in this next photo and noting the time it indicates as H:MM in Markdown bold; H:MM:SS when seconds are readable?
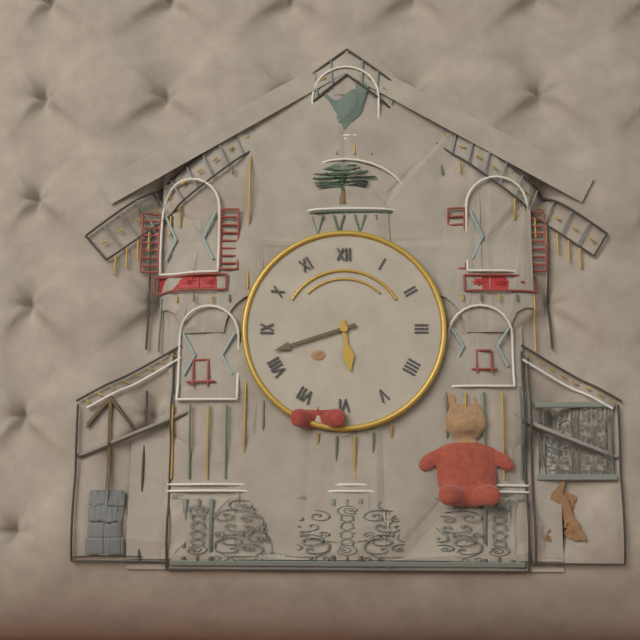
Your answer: **5:42**
